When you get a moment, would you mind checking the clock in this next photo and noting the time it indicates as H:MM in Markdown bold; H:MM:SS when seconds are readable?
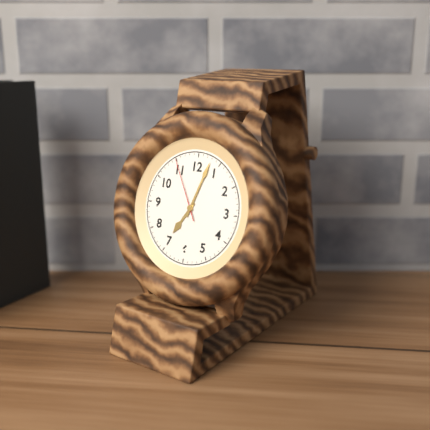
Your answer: **7:03:55**
